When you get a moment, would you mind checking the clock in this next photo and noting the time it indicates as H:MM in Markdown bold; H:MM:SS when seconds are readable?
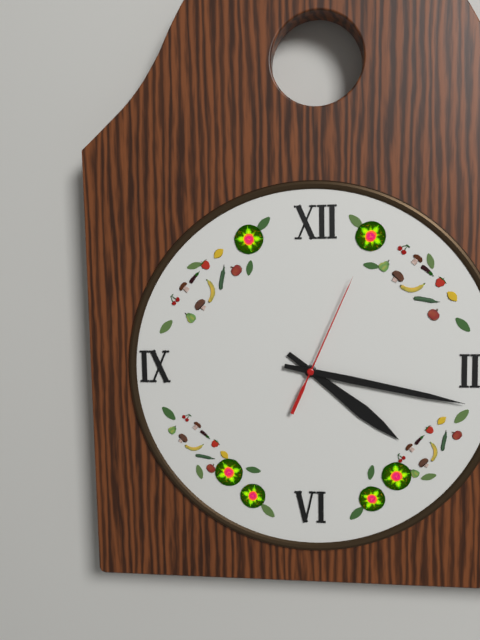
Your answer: **4:17:04**
